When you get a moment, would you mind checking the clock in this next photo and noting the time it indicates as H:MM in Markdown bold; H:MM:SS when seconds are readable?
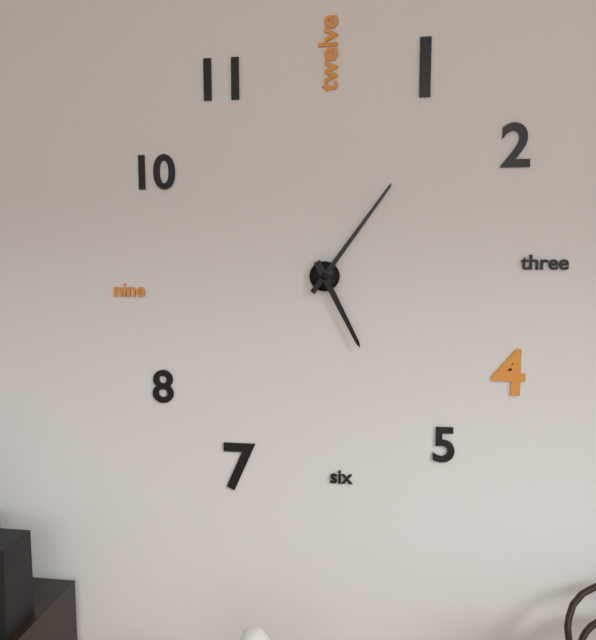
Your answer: **5:06**
